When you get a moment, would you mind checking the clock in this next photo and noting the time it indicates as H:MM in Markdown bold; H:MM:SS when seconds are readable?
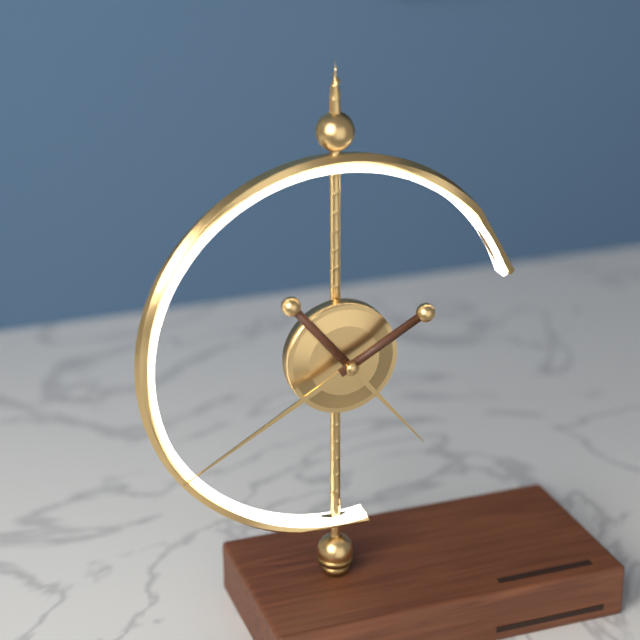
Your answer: **4:40**
